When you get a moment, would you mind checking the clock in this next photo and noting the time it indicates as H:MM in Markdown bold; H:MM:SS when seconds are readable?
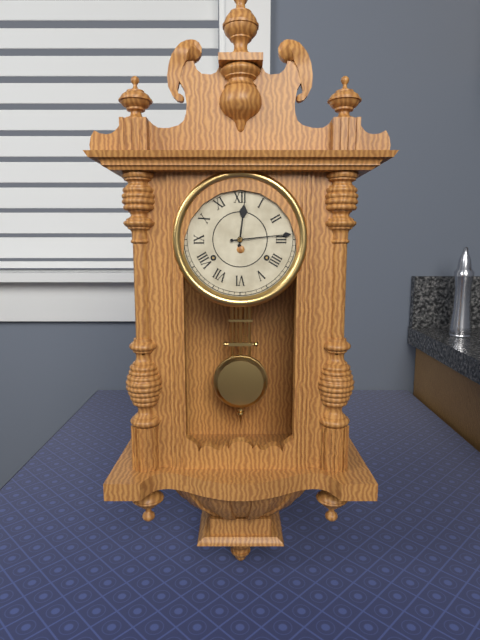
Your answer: **12:14**
